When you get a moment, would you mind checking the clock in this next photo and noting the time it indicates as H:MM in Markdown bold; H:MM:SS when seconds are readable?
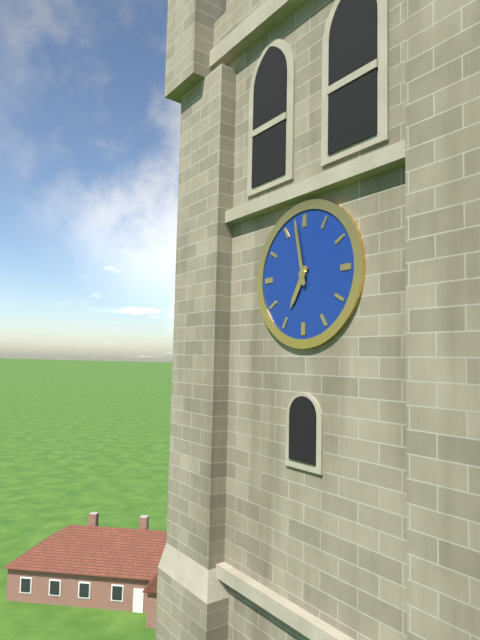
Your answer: **6:58**
